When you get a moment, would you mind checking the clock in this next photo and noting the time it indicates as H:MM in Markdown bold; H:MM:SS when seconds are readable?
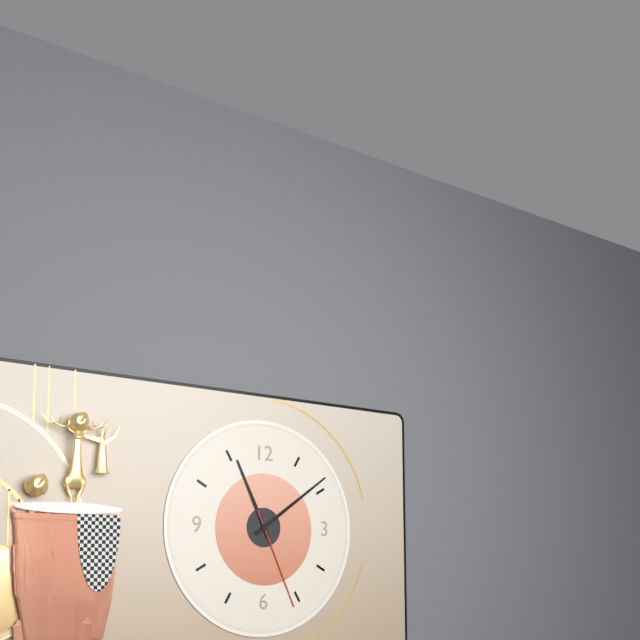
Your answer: **11:09:26**
